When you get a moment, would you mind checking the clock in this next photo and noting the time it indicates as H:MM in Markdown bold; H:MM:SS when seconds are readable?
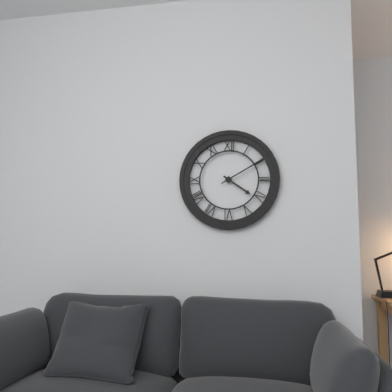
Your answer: **4:10**
